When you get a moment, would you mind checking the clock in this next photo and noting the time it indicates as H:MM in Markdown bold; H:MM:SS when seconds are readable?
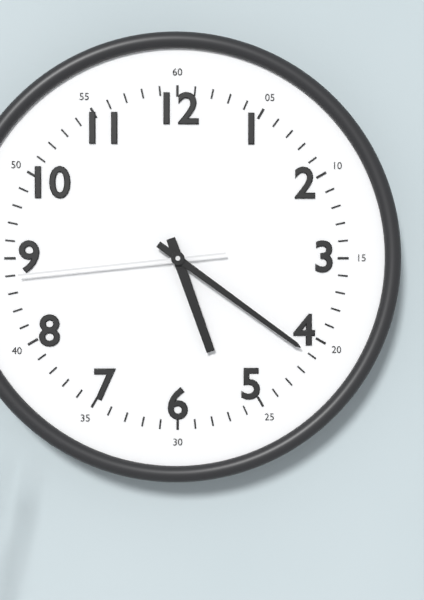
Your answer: **5:21:44**
